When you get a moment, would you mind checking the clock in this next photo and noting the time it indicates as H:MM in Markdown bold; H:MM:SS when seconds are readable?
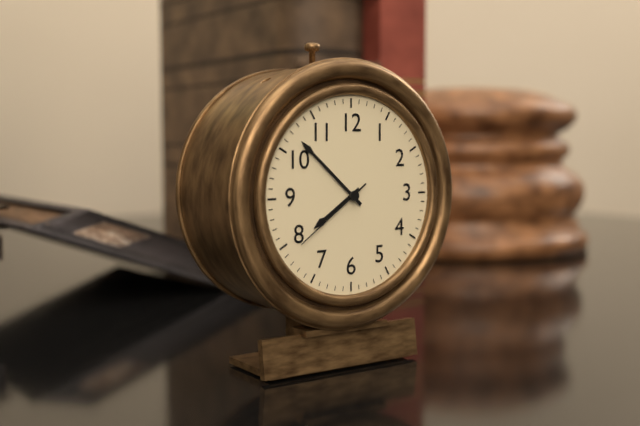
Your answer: **7:52:39**
